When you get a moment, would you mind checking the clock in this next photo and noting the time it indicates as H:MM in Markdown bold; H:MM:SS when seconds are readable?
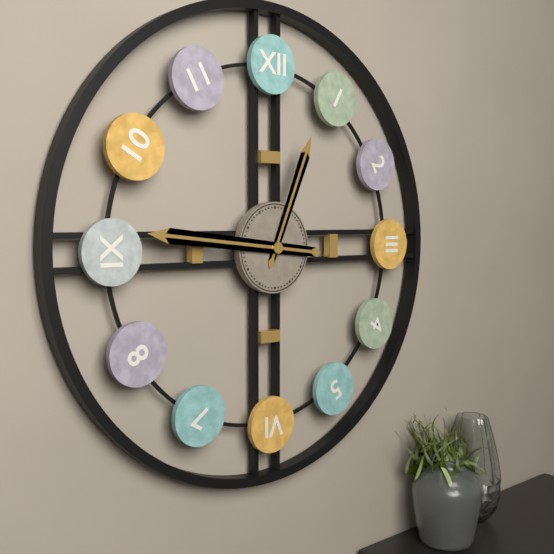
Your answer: **12:46**
